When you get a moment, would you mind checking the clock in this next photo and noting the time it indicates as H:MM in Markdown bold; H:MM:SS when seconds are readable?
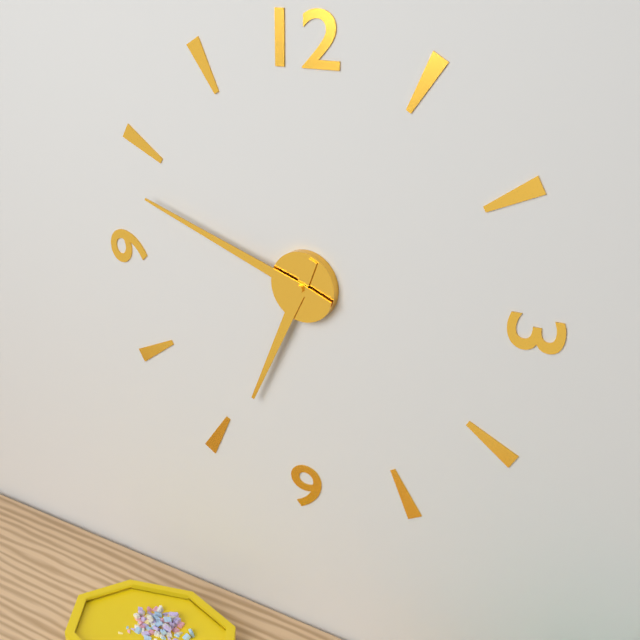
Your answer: **6:48**
